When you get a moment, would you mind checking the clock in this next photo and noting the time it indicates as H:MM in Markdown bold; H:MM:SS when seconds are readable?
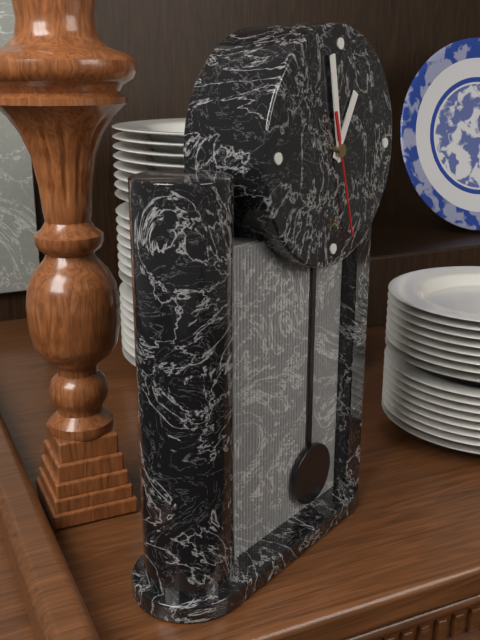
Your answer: **12:58:27**
